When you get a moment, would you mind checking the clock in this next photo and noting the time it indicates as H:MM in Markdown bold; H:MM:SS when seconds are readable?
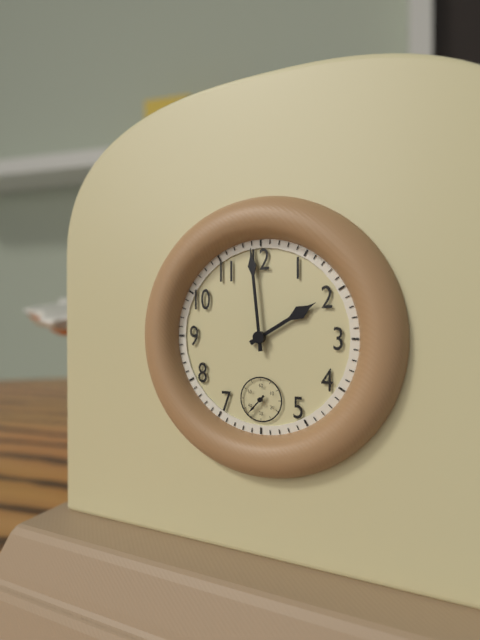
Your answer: **1:59**
